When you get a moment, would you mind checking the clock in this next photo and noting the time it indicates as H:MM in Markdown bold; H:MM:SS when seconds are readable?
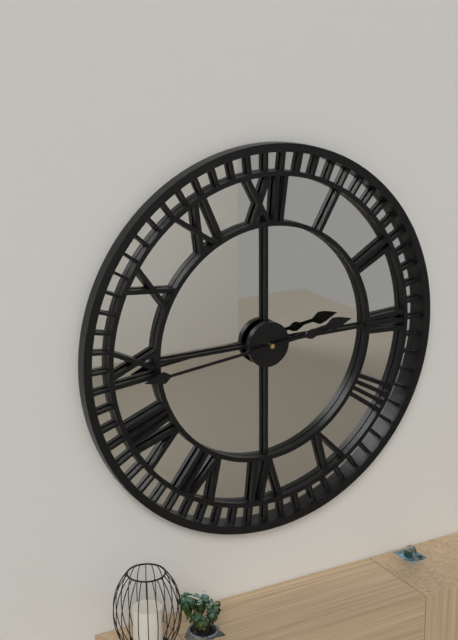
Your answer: **2:44**
